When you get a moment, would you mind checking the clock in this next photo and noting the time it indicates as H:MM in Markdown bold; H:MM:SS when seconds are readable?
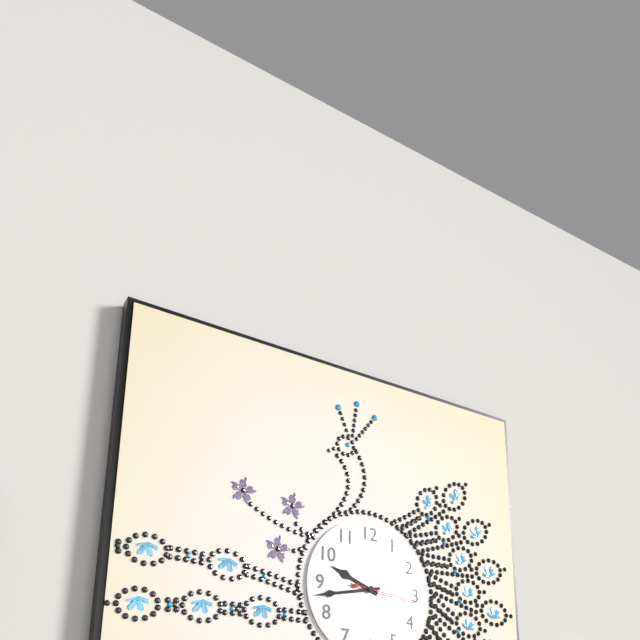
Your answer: **9:43:16**
